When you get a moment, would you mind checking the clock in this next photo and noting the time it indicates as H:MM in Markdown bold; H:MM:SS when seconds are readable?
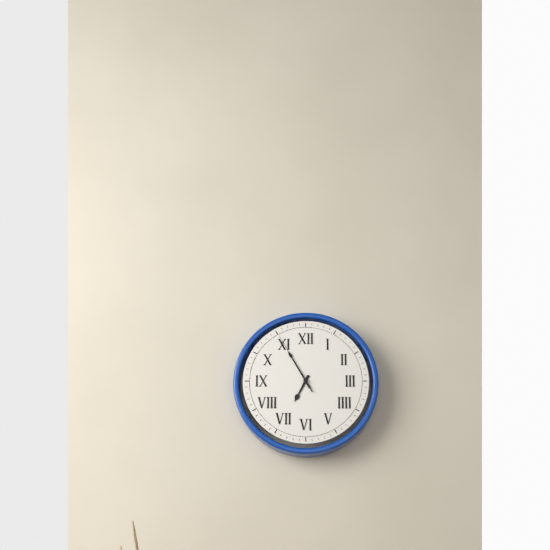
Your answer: **6:55:55**
